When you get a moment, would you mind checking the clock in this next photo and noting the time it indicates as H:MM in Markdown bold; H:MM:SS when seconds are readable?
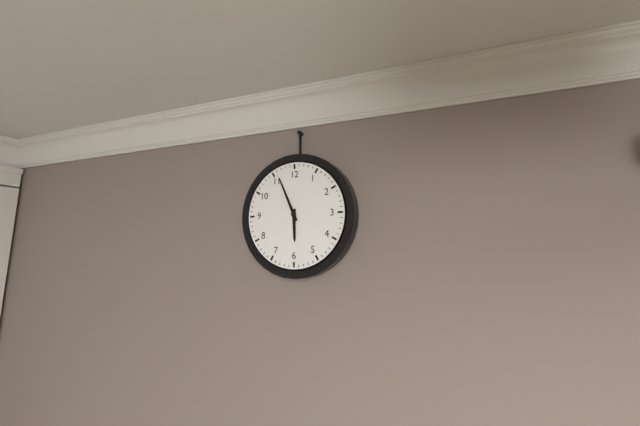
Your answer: **5:56**
